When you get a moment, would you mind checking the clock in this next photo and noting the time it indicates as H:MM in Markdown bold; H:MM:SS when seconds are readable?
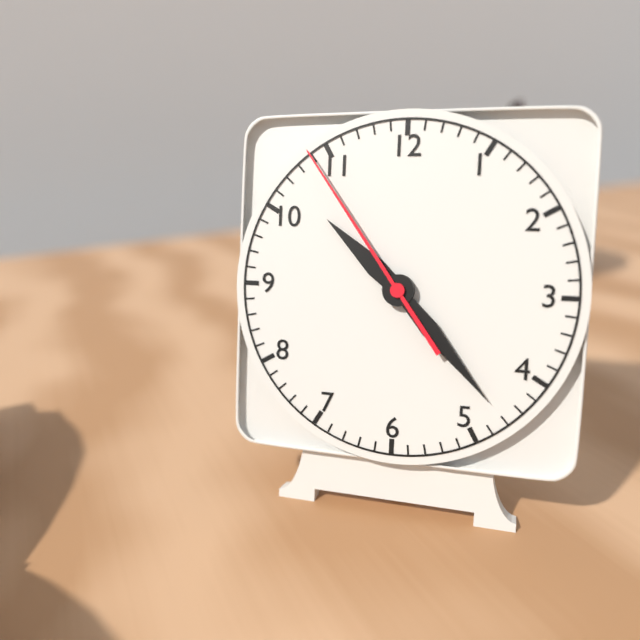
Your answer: **10:23:54**
